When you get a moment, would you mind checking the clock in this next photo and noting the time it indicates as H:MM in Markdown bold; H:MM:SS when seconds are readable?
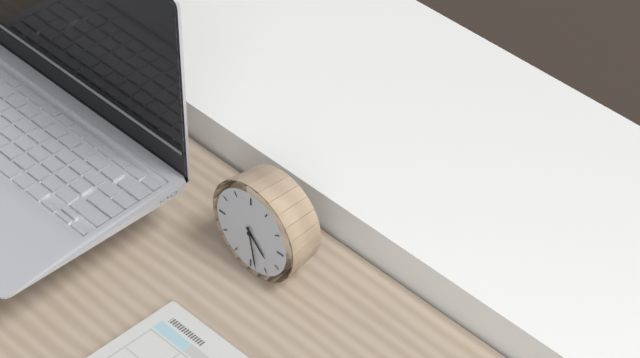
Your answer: **4:28**
